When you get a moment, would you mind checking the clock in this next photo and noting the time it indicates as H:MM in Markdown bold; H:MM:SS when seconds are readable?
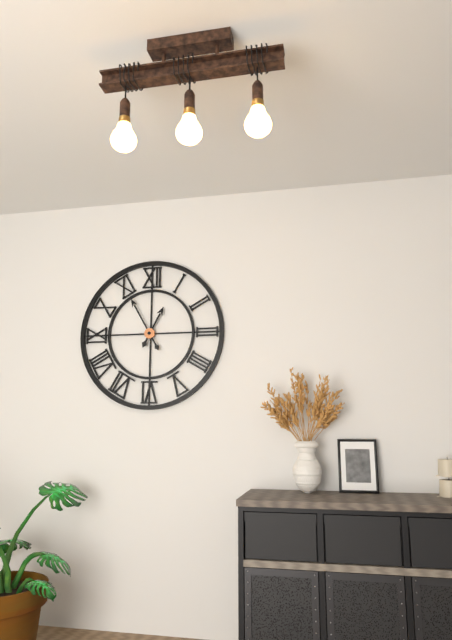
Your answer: **12:55**
